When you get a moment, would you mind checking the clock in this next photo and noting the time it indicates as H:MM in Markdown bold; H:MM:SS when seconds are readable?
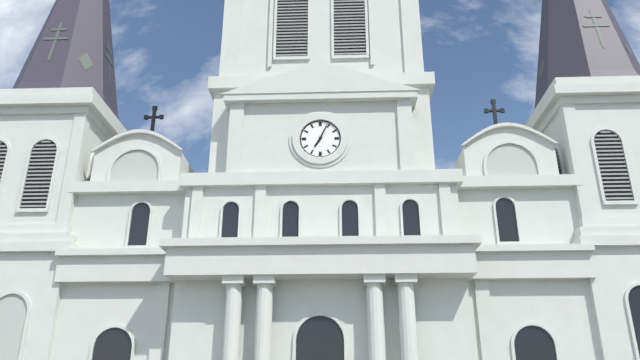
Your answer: **7:04**
